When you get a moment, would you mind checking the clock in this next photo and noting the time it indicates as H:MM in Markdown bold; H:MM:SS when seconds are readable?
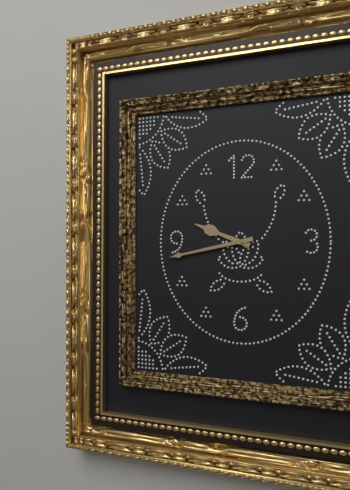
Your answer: **9:43**
